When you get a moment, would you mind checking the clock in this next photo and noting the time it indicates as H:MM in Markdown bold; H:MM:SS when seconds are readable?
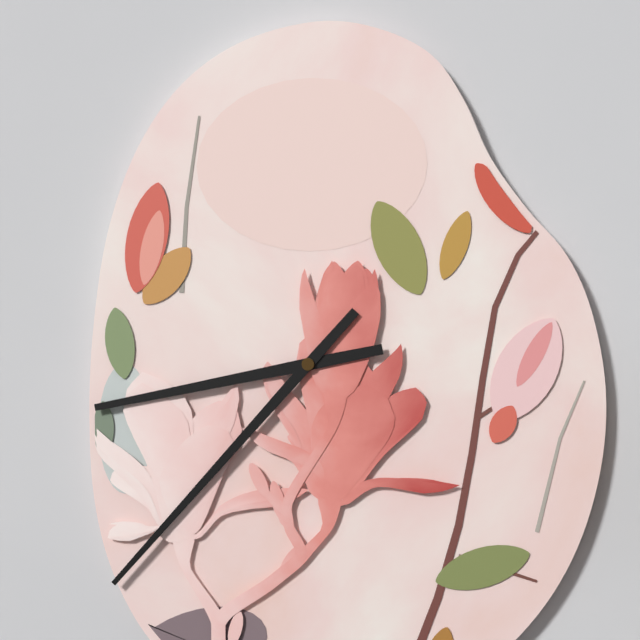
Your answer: **8:37**
